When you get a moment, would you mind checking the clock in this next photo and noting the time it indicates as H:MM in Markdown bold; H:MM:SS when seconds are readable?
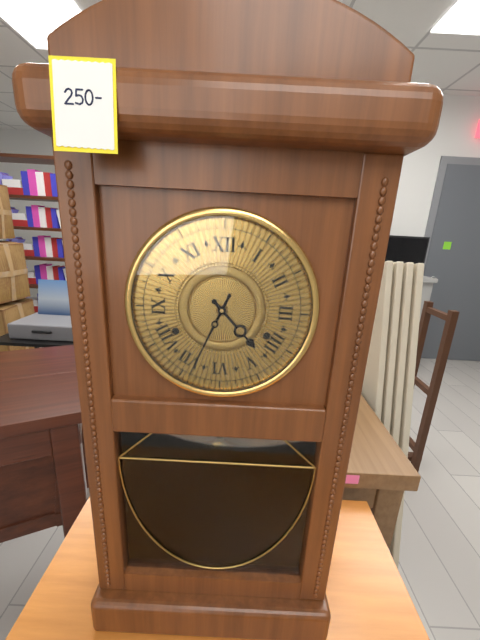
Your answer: **4:34**
